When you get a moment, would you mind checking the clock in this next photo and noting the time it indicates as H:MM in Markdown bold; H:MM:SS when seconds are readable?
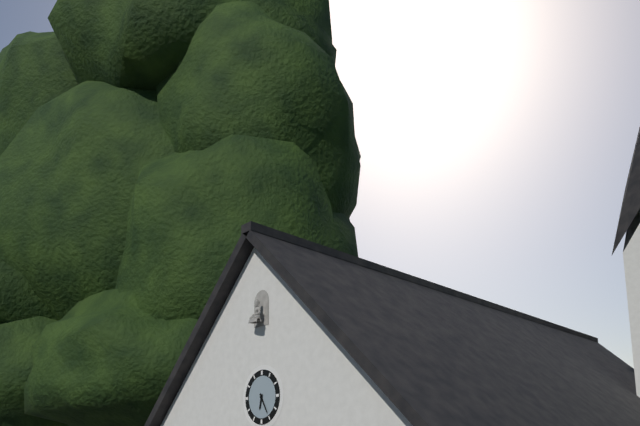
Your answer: **6:25**
